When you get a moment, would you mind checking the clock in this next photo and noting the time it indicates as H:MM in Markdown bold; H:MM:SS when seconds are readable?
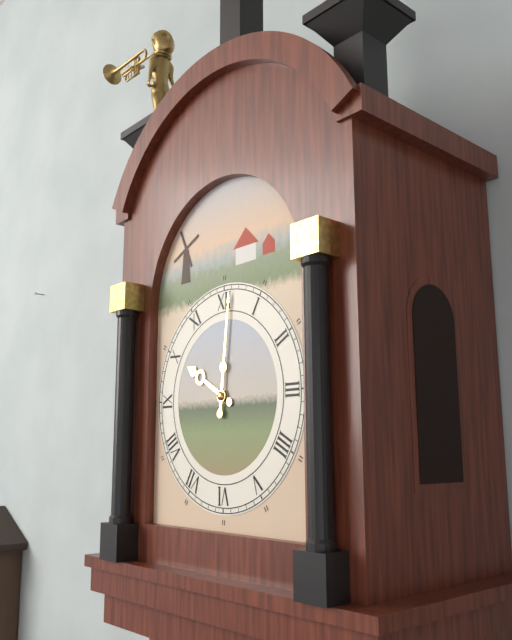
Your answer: **10:01**
